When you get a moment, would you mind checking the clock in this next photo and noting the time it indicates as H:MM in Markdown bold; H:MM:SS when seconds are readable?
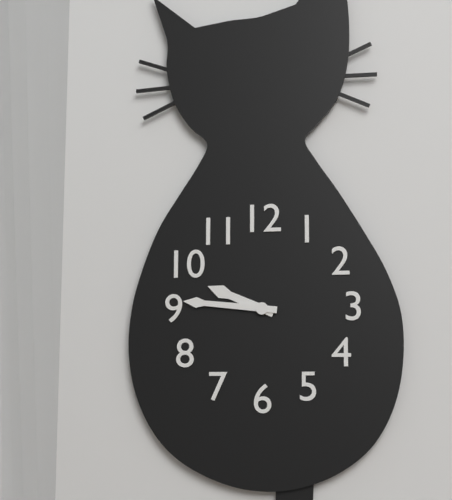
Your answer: **9:46**
